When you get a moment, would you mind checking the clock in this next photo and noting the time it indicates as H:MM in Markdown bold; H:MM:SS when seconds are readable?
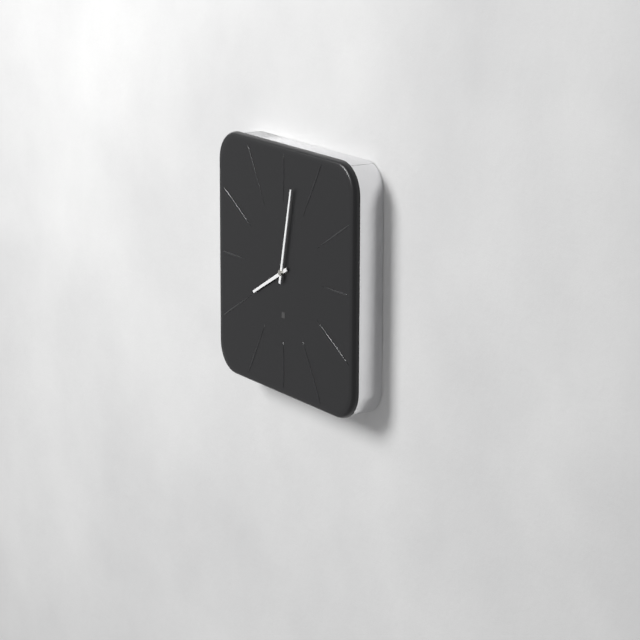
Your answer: **8:02**
